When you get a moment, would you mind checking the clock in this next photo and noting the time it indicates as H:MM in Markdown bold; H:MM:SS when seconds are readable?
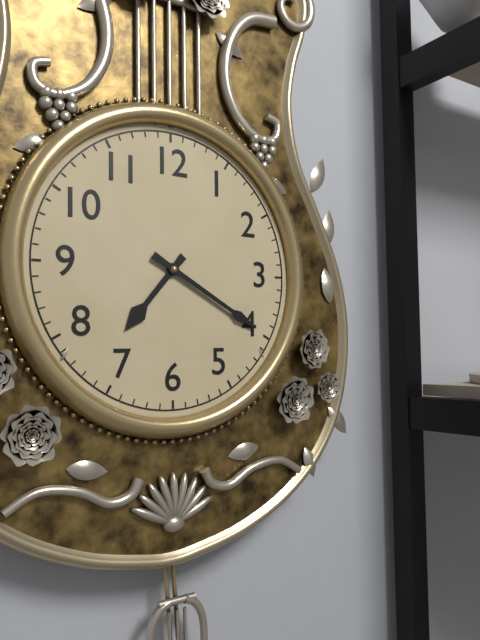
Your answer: **7:20**
